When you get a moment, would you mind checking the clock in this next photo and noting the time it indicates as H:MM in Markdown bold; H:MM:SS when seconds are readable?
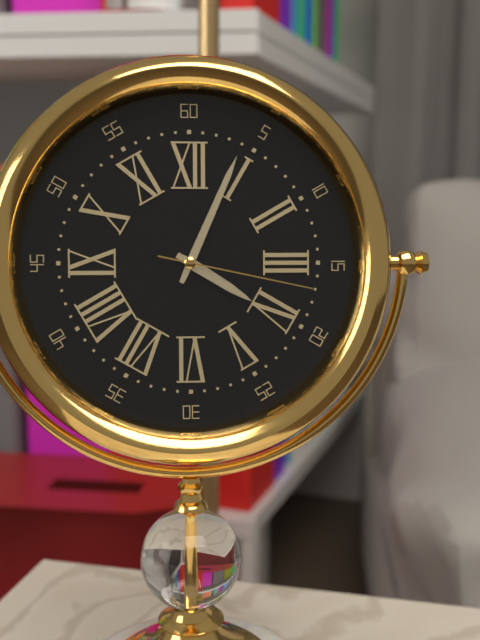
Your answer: **4:04:17**
